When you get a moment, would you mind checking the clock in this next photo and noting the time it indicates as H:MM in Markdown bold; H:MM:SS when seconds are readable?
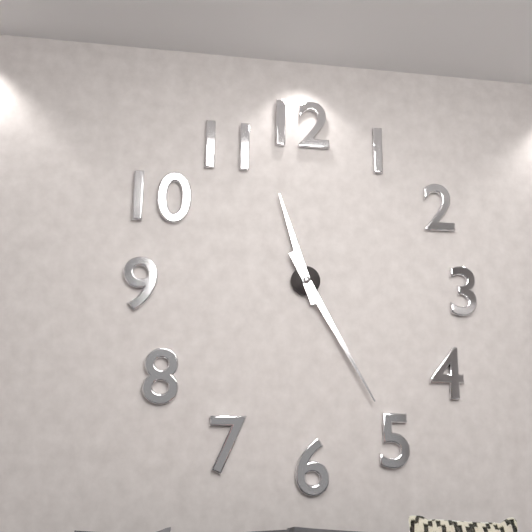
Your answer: **11:25**
